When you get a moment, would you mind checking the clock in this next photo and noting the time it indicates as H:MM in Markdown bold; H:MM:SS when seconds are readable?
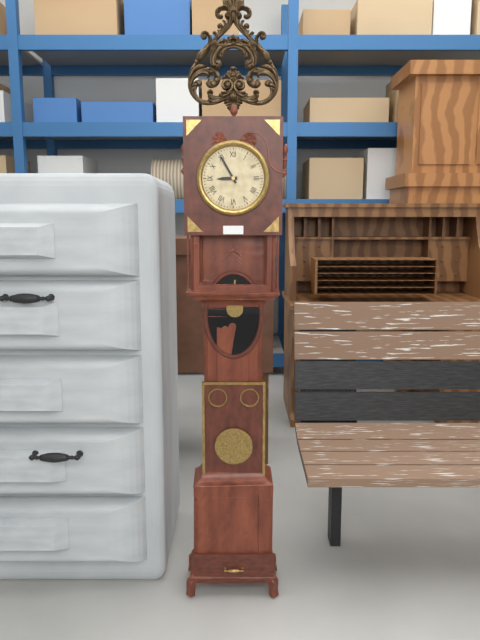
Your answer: **8:55**
